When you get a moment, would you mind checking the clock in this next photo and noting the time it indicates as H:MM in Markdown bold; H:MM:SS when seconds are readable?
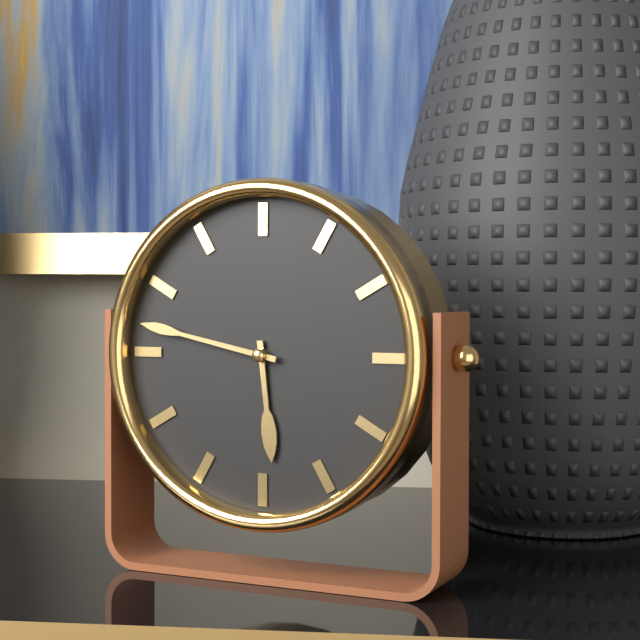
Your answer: **5:47**
